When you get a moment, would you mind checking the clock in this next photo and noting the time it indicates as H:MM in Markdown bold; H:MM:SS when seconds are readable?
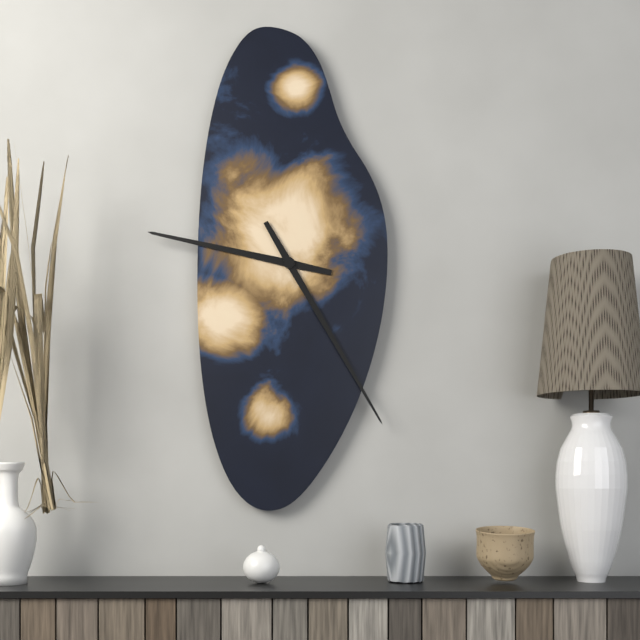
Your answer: **9:25**
